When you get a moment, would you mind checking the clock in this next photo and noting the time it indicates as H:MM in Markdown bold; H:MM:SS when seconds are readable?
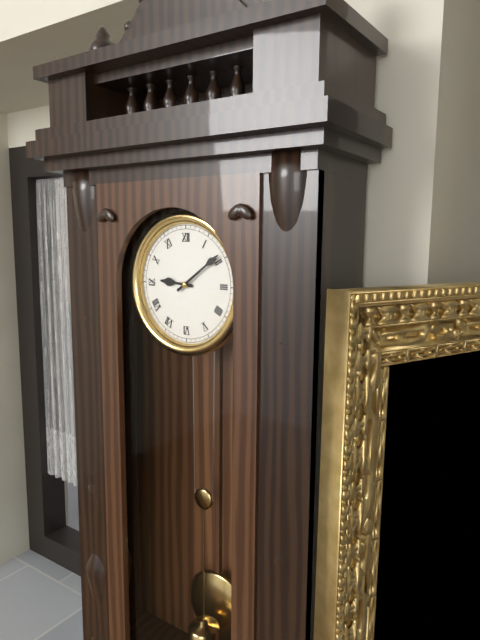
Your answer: **9:09**
